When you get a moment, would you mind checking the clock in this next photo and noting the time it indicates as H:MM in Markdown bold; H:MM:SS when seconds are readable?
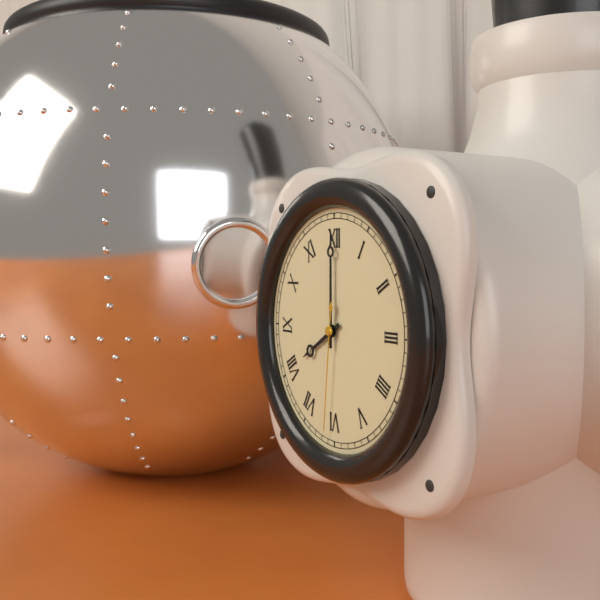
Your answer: **8:00:31**
